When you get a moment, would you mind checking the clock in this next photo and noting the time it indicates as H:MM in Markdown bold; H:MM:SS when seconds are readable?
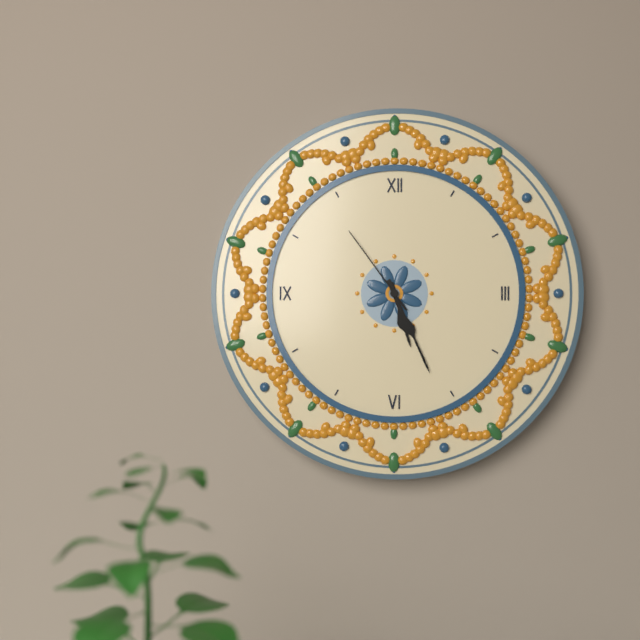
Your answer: **5:26:54**
